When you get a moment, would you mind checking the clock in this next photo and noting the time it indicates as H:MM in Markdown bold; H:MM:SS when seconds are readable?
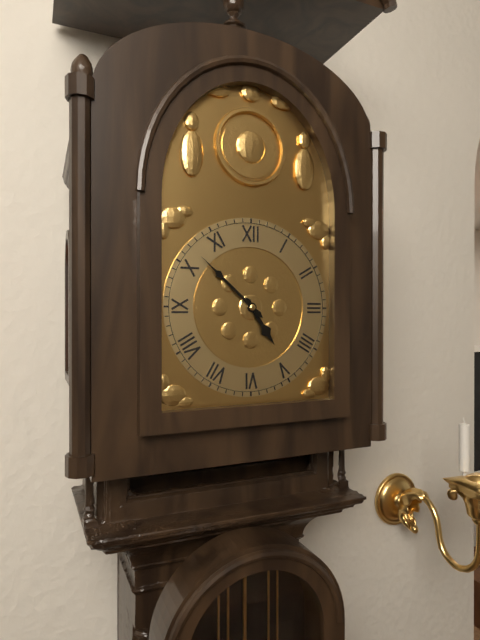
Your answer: **4:52**
